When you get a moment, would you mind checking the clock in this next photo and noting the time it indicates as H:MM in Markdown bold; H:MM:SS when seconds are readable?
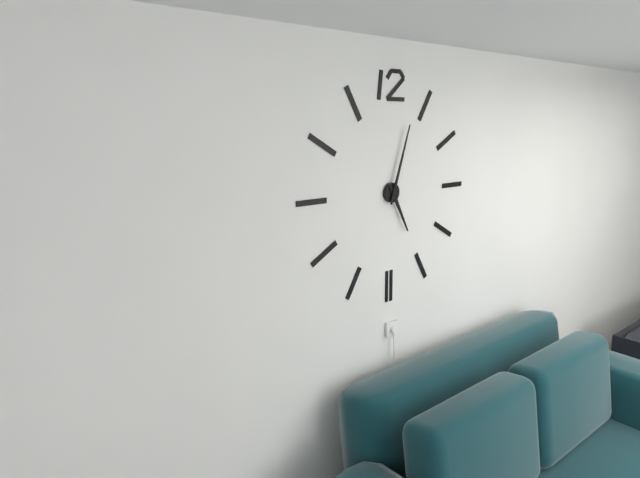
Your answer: **5:03**
